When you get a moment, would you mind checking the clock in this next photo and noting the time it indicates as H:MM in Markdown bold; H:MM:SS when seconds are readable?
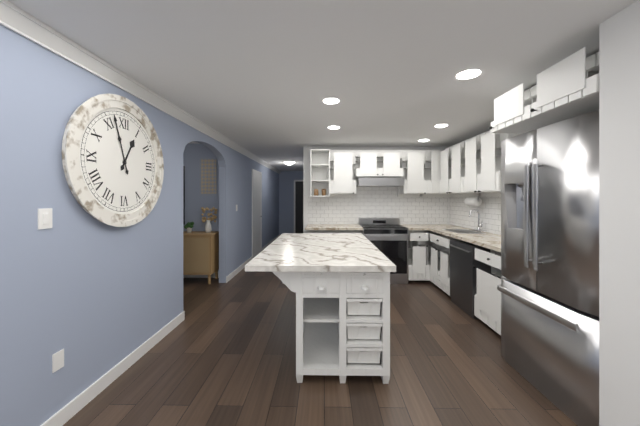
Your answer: **12:57**
